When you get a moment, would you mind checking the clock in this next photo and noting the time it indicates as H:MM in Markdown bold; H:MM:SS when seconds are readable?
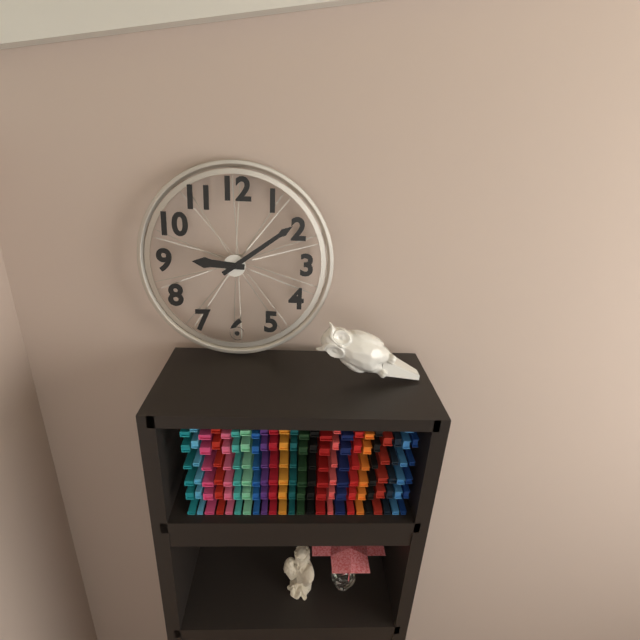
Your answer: **9:09**
